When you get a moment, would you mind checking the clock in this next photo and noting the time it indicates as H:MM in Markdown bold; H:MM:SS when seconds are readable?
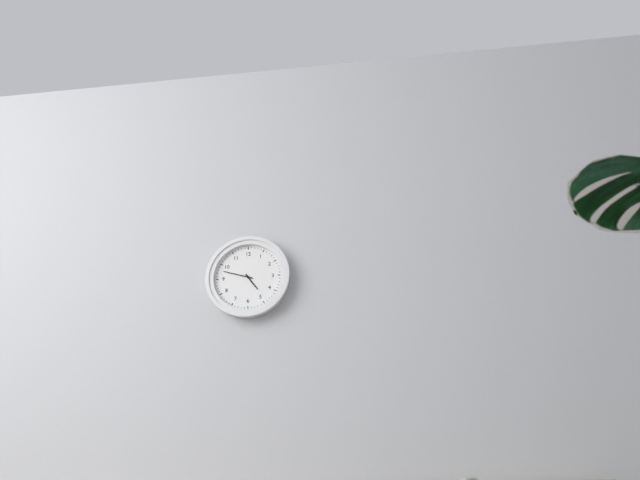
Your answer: **4:48**
